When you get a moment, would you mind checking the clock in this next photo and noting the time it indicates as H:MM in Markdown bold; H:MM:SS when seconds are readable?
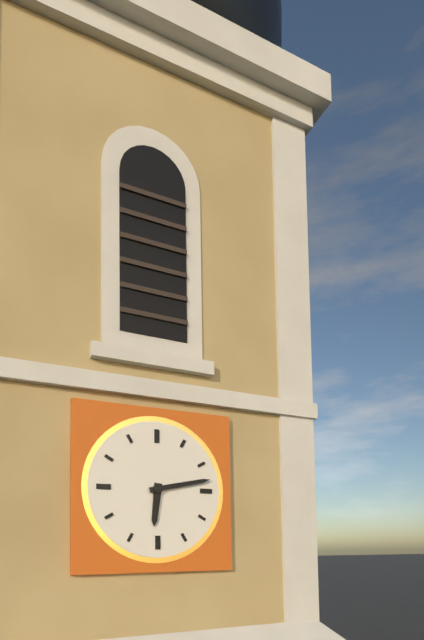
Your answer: **6:13**
